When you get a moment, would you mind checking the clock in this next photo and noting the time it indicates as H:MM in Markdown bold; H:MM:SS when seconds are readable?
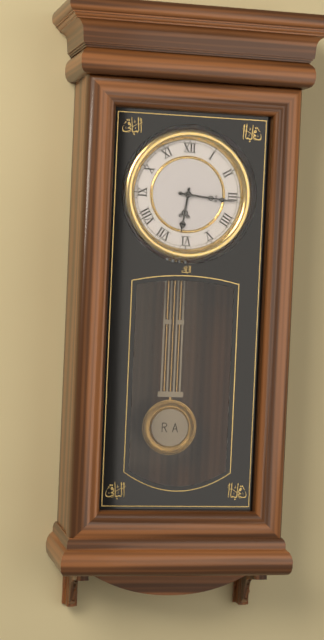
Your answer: **6:16**
